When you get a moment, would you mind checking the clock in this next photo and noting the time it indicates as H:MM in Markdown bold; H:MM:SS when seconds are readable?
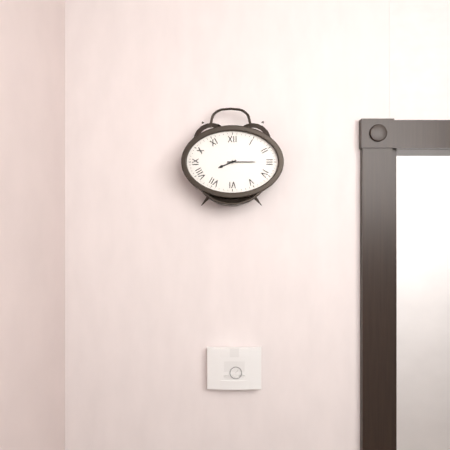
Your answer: **8:15**
